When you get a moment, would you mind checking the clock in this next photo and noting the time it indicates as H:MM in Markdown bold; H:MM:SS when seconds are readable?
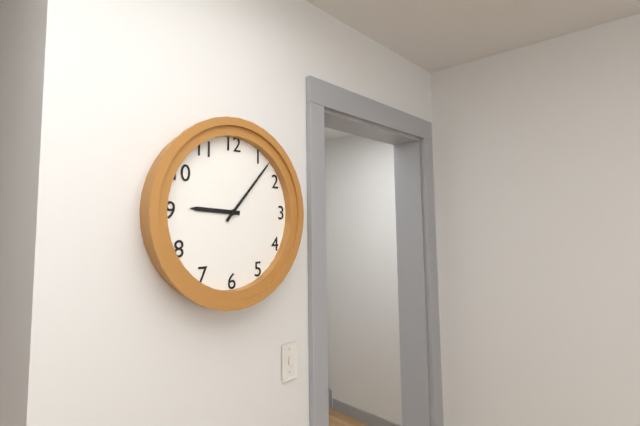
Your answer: **9:07**
